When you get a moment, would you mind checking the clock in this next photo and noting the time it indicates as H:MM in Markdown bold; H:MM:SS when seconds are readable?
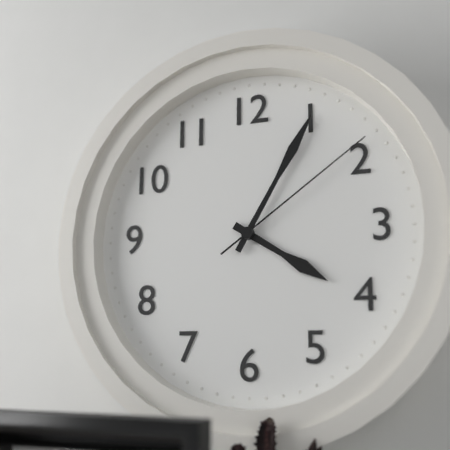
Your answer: **4:05:09**
